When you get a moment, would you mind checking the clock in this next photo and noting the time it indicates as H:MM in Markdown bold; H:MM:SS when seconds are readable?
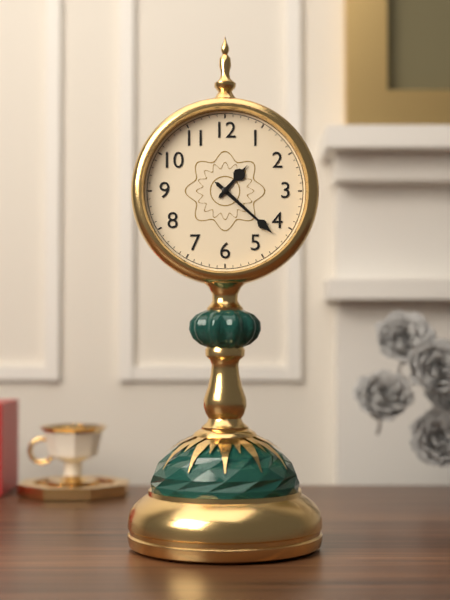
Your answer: **1:22**
